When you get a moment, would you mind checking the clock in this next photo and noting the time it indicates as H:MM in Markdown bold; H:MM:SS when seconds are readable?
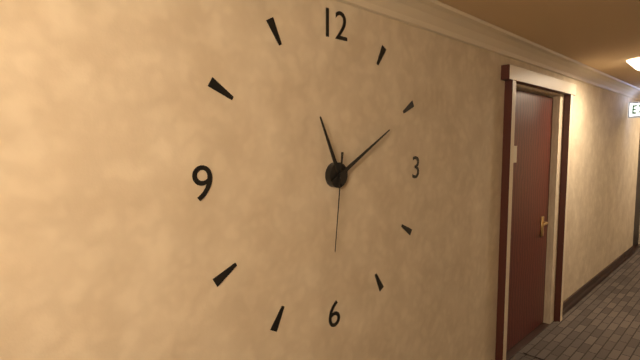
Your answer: **11:10:31**
